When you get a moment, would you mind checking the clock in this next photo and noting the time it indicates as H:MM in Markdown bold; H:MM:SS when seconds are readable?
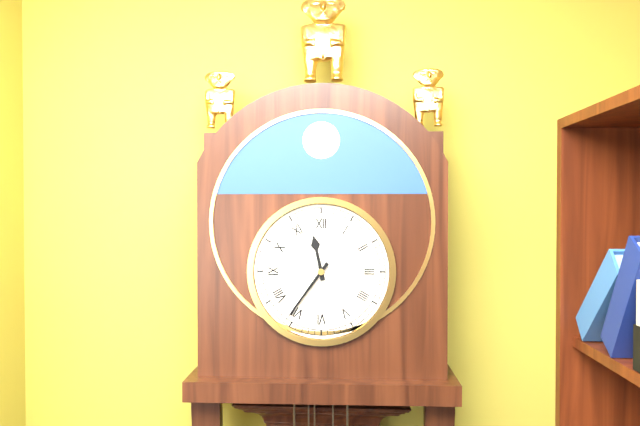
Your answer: **11:36**
